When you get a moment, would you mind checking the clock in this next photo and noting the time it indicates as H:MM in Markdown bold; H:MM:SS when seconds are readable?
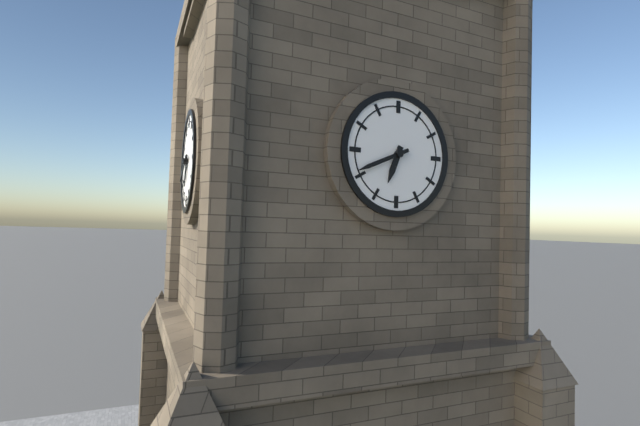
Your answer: **6:41**
